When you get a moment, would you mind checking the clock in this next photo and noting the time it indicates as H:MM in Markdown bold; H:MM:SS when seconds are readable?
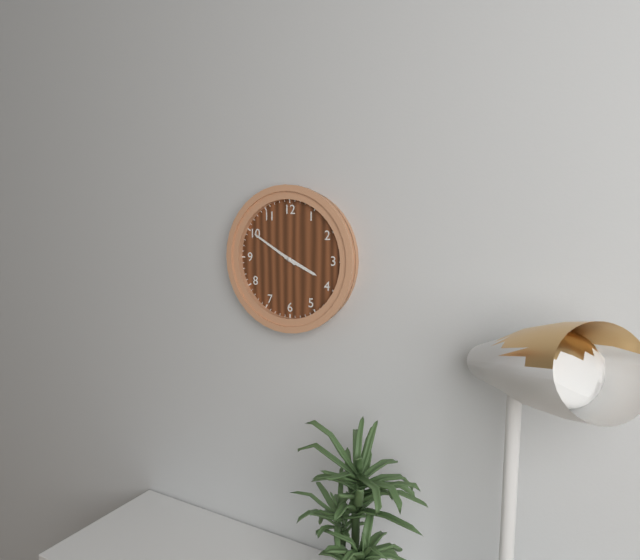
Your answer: **3:50**
